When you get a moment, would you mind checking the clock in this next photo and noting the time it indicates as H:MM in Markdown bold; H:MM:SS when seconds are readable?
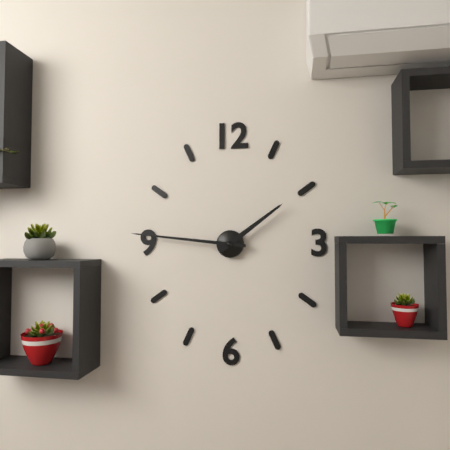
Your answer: **1:46**
